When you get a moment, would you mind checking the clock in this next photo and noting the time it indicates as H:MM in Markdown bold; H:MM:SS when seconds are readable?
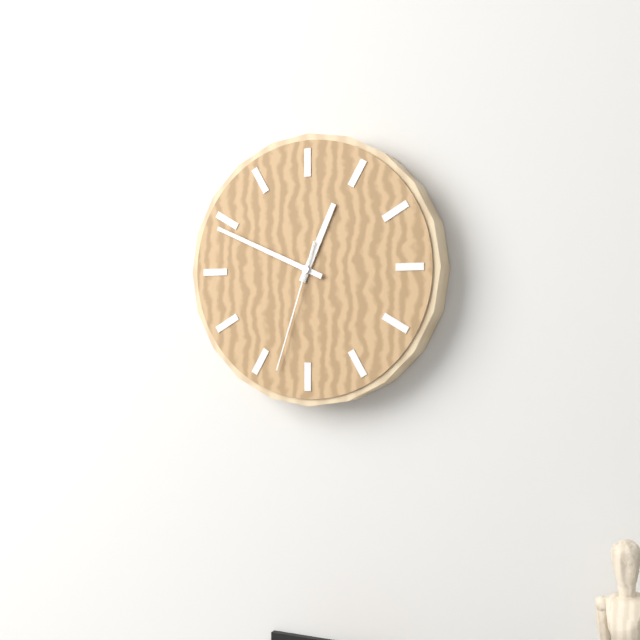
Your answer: **12:49:33**
